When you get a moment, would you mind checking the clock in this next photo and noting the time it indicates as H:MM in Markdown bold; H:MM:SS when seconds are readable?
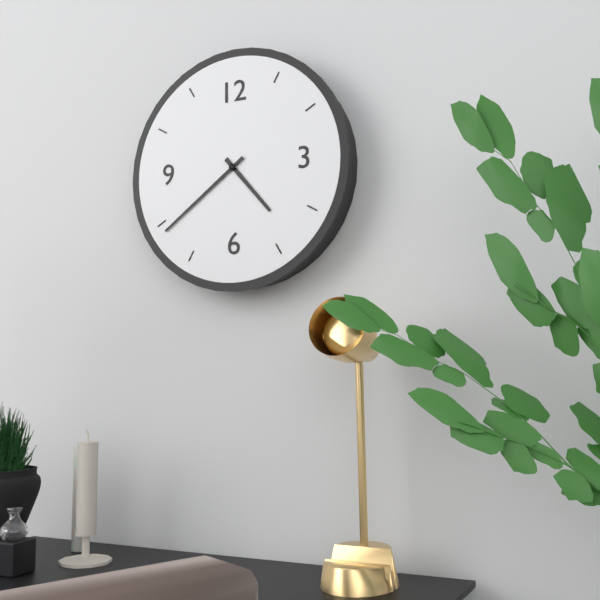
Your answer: **4:39**
